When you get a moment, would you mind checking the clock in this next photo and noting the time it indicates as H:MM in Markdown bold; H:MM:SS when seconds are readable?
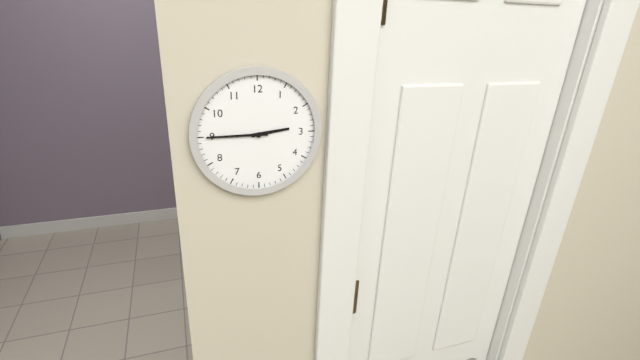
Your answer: **2:45**
